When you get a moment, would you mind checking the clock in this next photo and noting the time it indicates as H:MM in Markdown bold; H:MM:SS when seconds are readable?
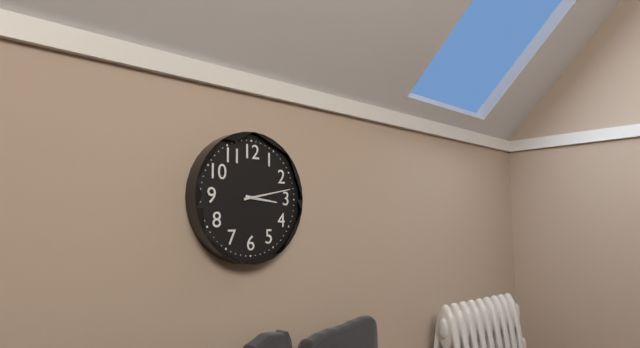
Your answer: **3:13**
